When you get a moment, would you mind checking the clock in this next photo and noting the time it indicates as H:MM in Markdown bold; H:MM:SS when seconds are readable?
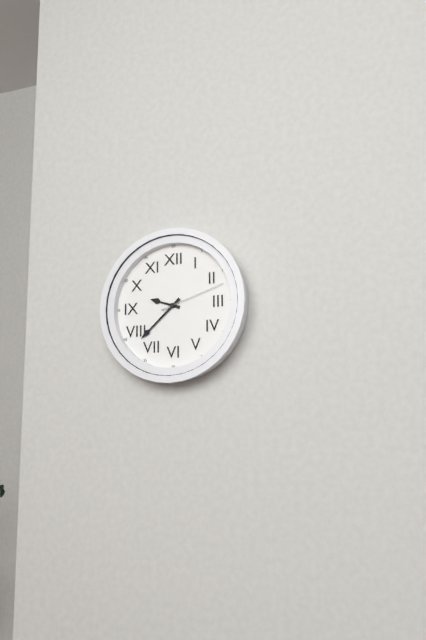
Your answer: **9:38:12**
